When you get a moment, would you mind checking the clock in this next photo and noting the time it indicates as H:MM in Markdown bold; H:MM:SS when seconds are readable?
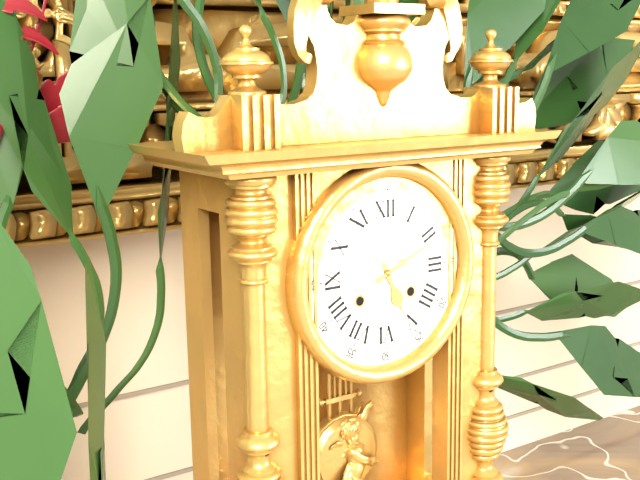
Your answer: **5:11**
